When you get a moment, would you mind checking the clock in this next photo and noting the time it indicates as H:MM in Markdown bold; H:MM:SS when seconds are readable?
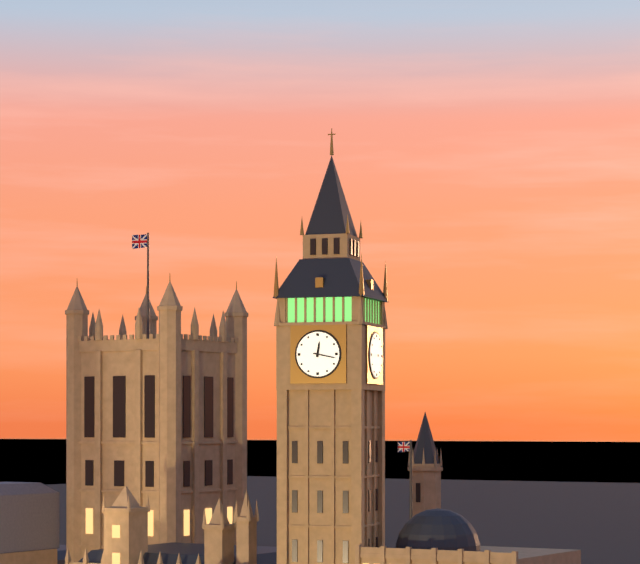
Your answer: **12:17**
